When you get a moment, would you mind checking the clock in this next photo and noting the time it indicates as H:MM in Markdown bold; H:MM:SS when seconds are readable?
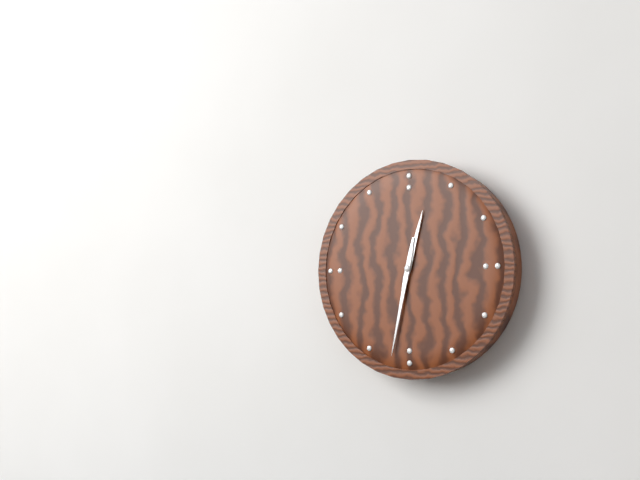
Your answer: **12:32**
